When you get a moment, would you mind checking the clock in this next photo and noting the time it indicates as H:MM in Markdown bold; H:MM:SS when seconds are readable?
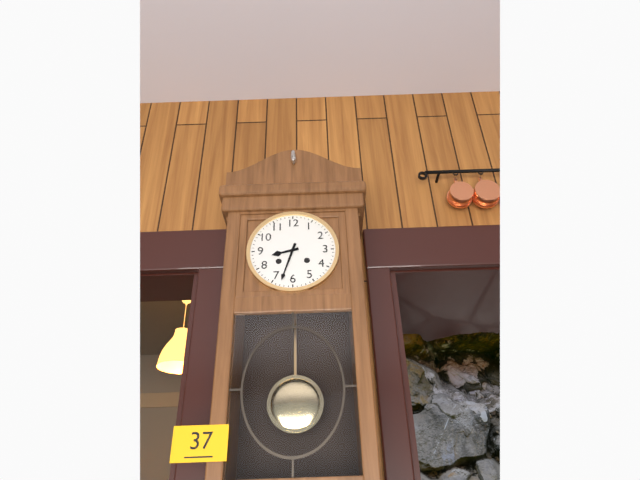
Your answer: **8:33**
